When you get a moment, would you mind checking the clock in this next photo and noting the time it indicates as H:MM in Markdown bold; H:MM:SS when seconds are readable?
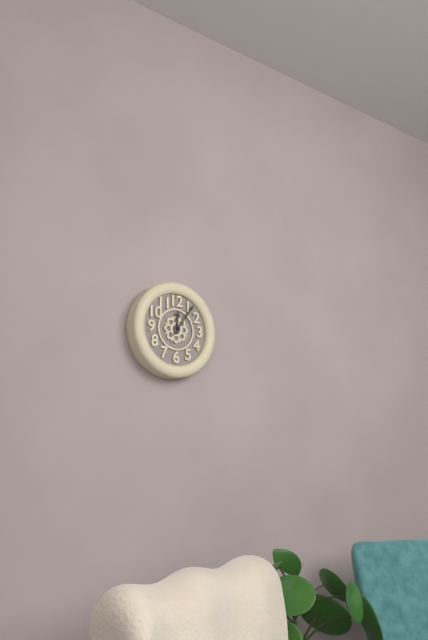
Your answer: **12:06**
